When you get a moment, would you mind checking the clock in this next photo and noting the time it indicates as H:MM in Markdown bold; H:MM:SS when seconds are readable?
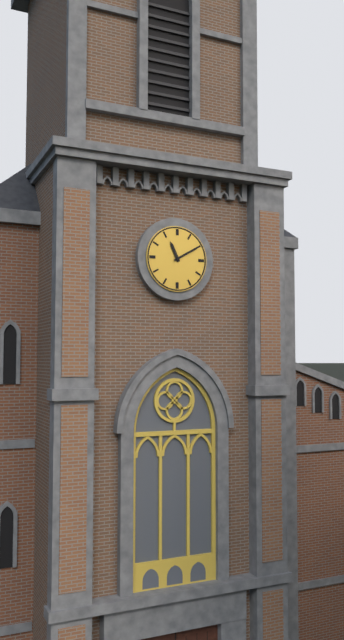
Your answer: **11:10**
